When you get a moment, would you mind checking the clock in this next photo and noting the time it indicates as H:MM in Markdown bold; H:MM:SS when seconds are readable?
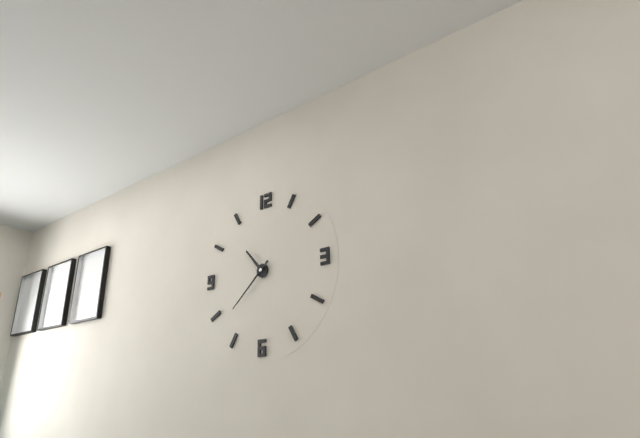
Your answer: **10:38**
